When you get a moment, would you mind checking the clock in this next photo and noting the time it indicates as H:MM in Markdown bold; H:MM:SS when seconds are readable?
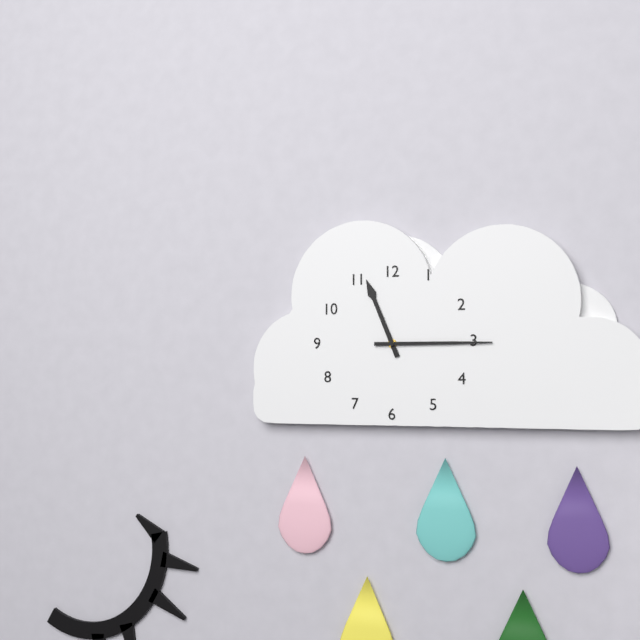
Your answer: **11:15**
